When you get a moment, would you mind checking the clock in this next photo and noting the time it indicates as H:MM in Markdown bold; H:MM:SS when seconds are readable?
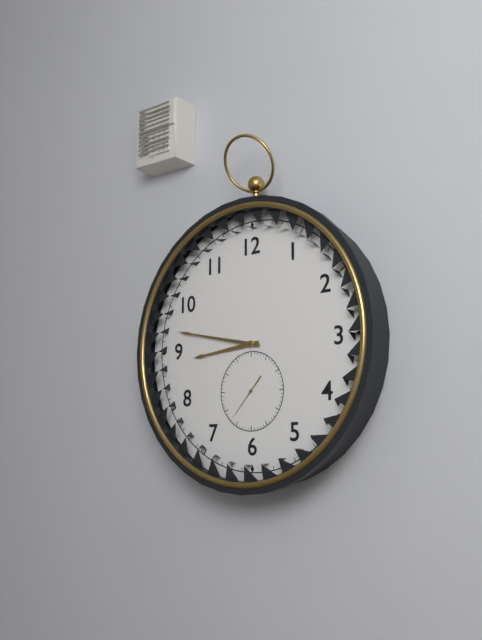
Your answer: **8:47**
